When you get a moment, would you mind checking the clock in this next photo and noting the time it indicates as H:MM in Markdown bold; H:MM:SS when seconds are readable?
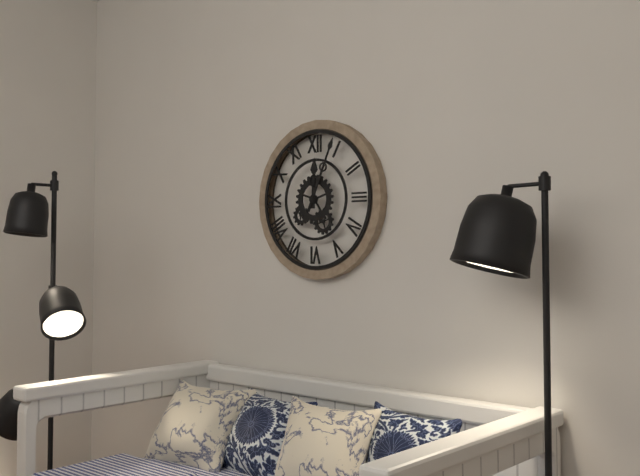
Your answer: **12:04**
